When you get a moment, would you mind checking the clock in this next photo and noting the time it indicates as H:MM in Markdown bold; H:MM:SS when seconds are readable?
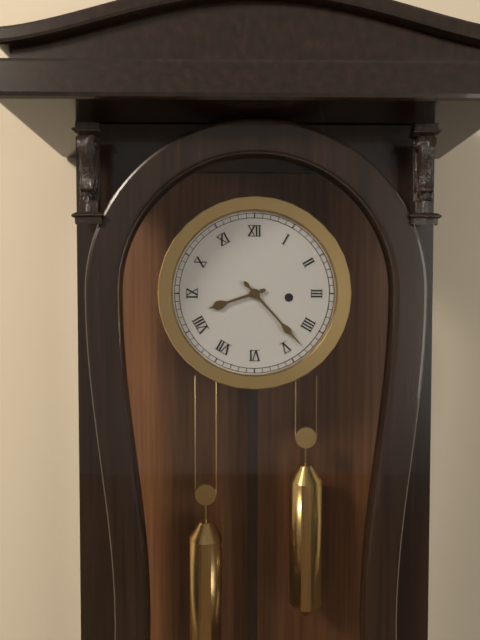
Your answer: **8:23**
